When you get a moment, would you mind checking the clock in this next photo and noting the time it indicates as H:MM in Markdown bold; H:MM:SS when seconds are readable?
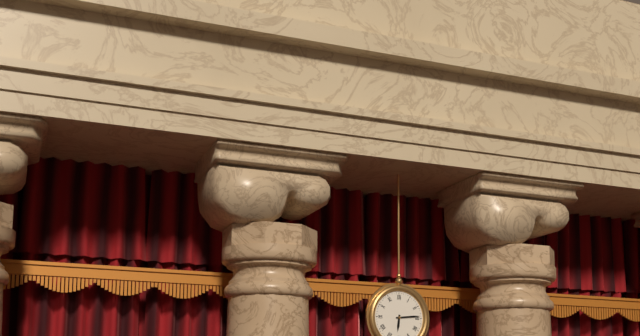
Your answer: **6:14**
